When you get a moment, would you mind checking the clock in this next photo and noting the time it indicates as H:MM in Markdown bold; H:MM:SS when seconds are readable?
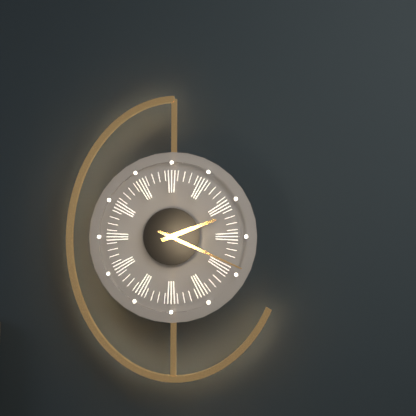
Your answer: **2:19**
